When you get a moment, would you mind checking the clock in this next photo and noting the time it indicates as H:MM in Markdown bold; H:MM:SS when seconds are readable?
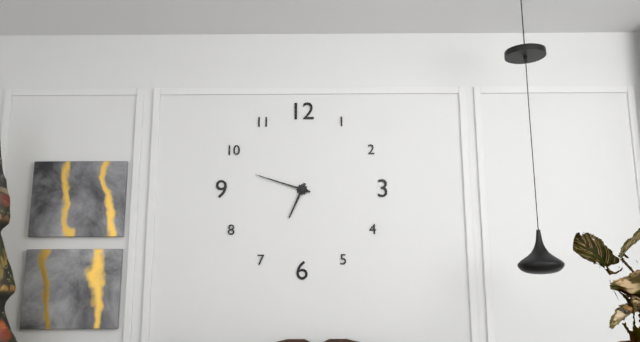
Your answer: **6:48**
